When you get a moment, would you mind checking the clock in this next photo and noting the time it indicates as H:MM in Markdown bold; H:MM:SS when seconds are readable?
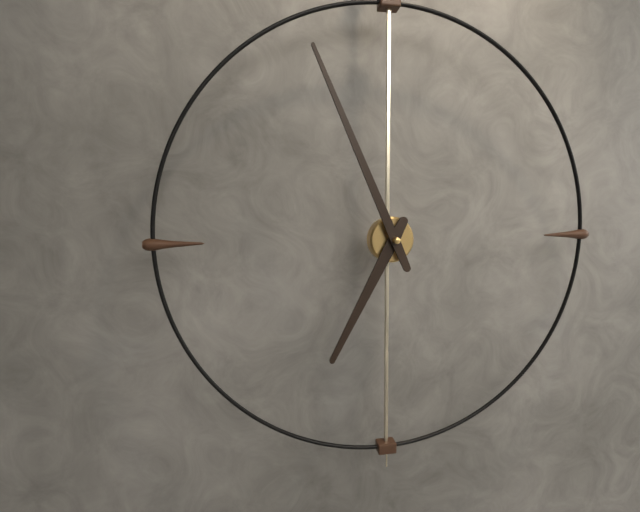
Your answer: **6:56**
